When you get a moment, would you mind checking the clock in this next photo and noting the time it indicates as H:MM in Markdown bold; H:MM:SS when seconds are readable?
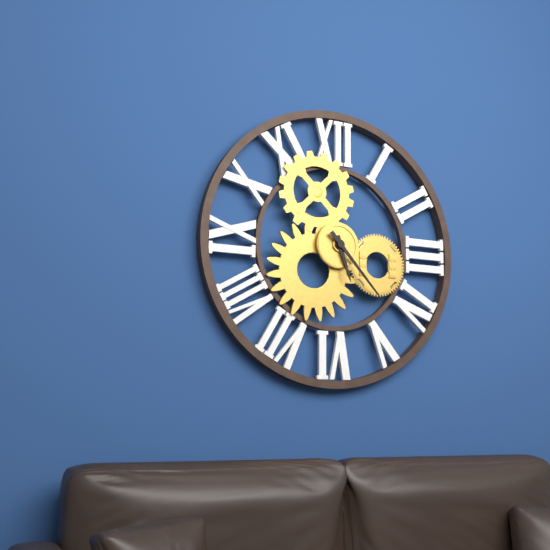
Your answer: **5:23**
